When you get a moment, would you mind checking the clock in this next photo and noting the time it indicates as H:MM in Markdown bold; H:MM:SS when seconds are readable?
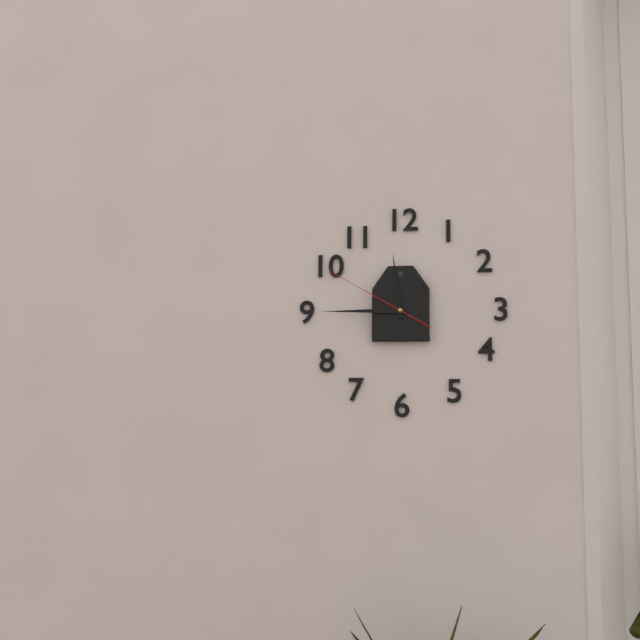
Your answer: **11:45:50**
